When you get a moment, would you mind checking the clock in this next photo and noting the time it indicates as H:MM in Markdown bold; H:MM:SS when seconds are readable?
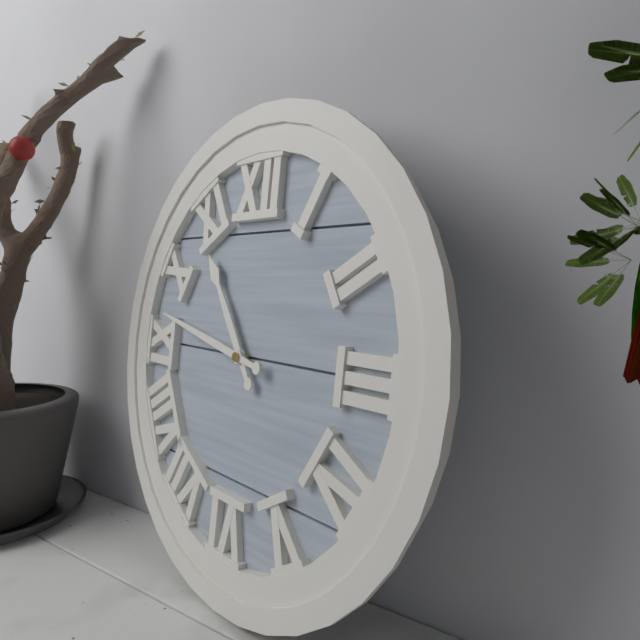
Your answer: **10:47**
